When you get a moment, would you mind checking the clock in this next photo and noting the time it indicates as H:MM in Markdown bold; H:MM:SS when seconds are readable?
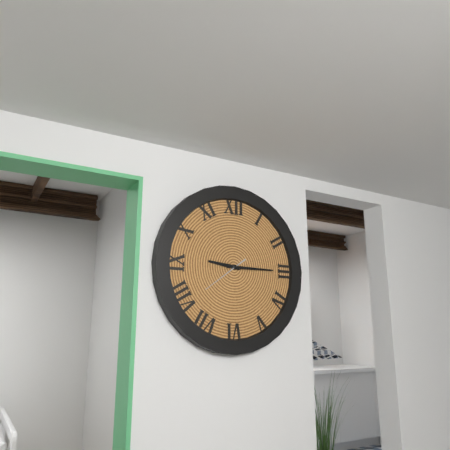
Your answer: **9:15**
